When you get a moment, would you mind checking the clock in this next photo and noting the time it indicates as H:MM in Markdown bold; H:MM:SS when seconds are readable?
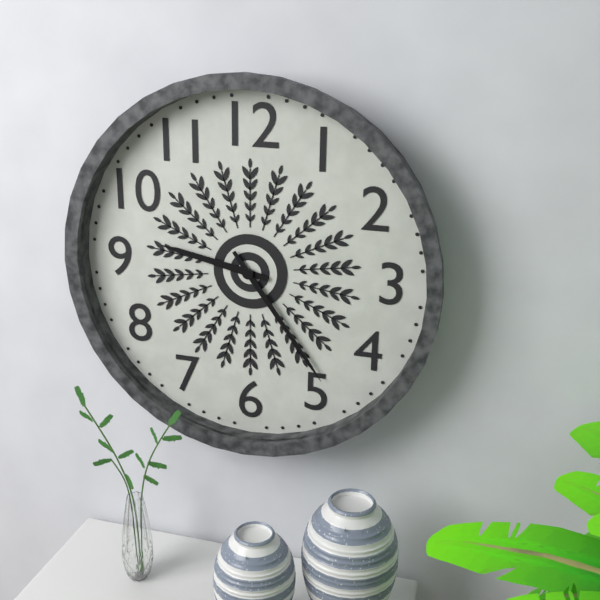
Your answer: **9:24**
